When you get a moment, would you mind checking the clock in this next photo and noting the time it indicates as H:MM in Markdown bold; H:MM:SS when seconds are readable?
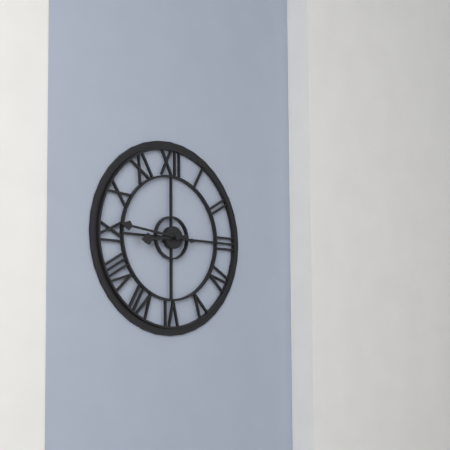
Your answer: **8:46**
